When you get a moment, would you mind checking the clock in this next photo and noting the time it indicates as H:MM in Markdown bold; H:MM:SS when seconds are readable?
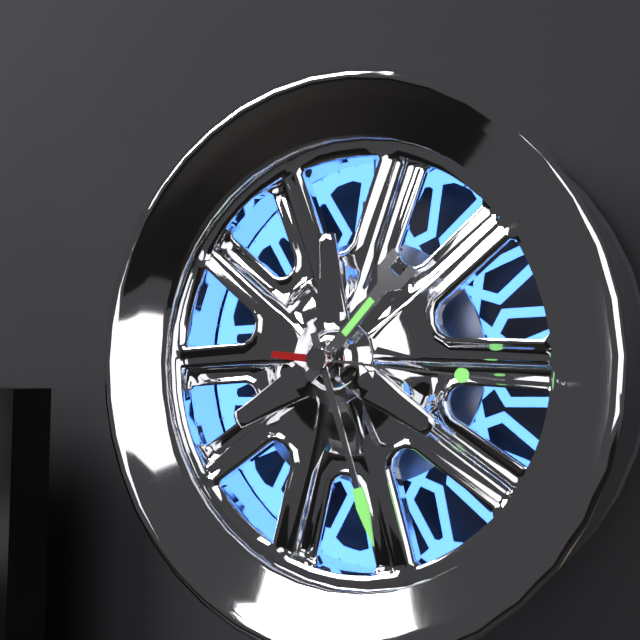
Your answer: **1:27:16**
